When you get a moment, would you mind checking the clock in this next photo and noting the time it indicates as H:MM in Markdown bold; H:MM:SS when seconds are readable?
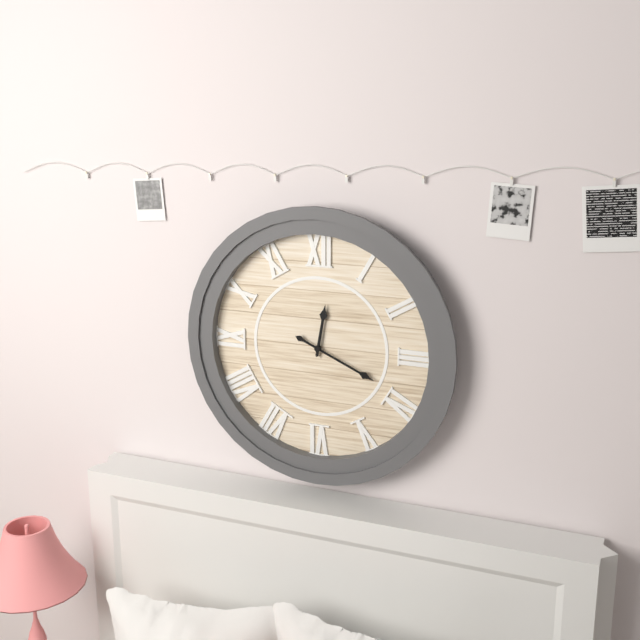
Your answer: **12:19**
